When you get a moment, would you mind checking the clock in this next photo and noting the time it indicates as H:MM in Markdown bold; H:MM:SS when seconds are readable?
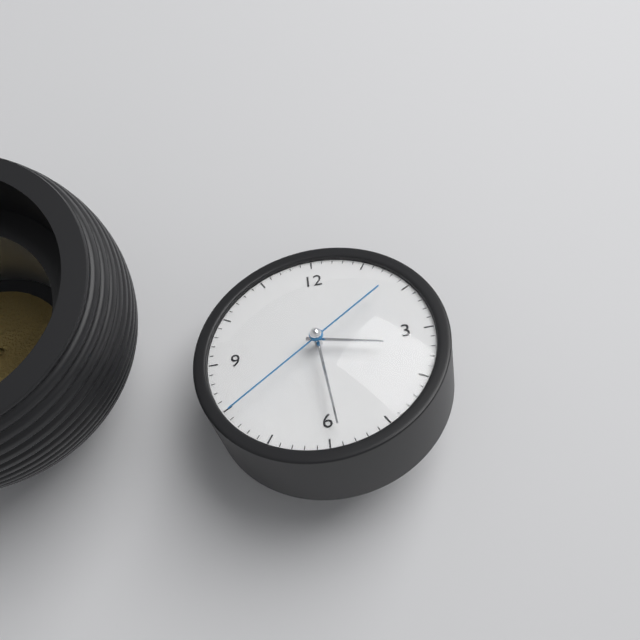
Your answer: **3:29:39**
